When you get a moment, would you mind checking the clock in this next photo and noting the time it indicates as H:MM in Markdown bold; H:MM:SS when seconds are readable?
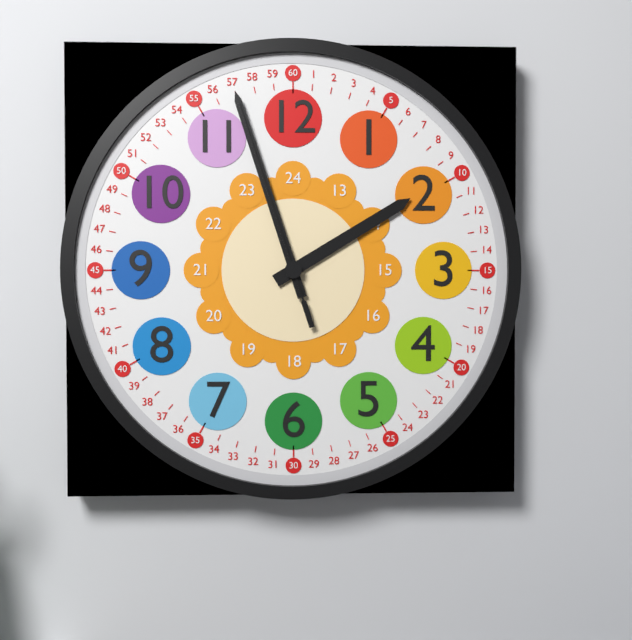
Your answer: **1:57:57**
